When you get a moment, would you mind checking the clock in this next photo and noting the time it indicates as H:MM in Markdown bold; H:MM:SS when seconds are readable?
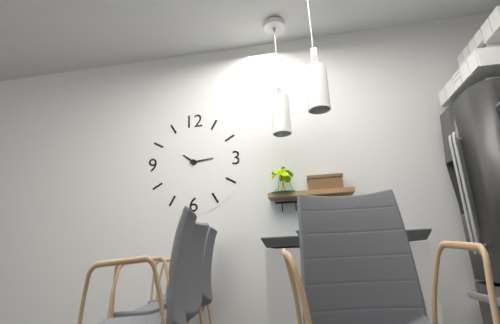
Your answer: **10:14**
